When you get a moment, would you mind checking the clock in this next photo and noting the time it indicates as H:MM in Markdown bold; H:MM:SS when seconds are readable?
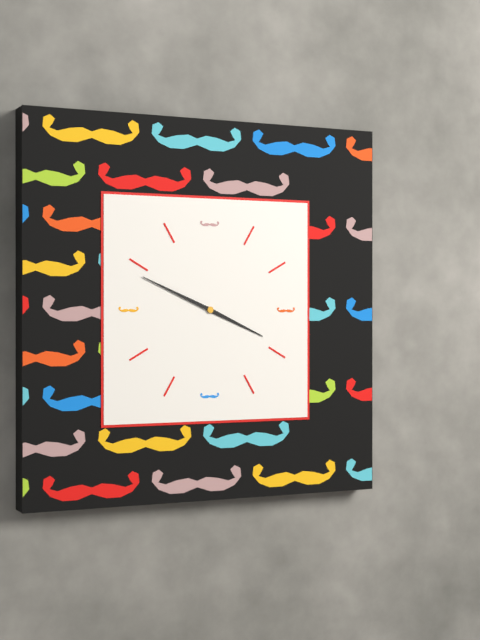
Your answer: **3:49**
